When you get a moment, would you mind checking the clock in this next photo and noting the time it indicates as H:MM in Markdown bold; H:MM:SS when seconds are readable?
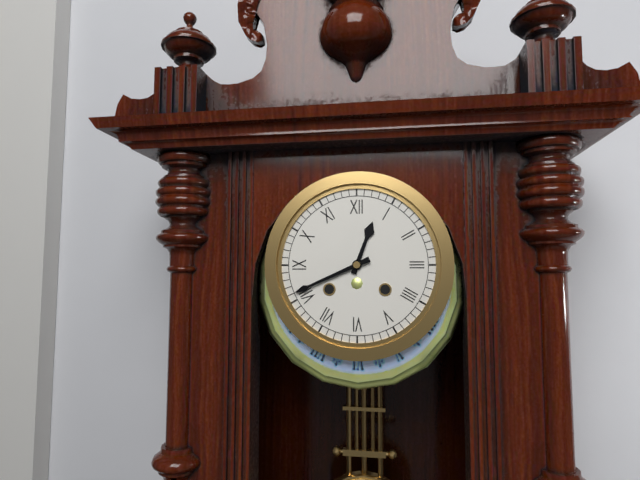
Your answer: **12:41**
